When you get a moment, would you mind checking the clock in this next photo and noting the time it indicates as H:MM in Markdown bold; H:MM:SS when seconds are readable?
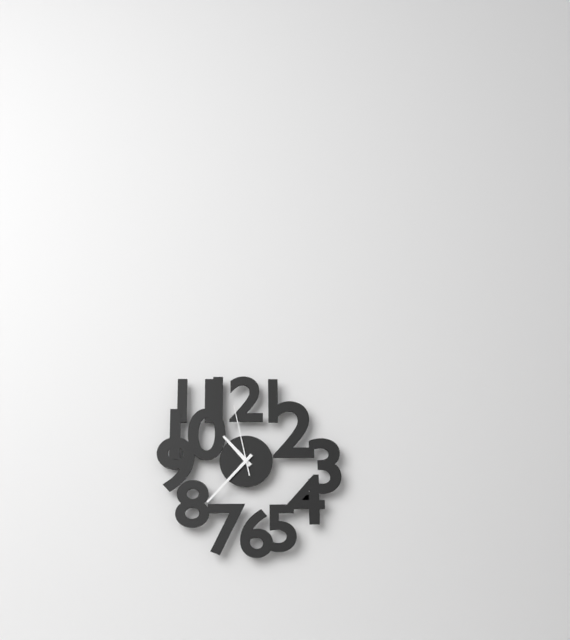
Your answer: **10:37:58**
